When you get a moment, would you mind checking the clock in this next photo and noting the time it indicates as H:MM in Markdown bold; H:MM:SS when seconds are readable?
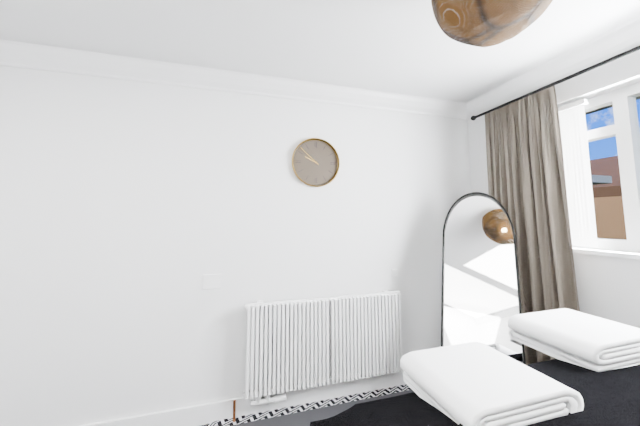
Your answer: **9:52**
